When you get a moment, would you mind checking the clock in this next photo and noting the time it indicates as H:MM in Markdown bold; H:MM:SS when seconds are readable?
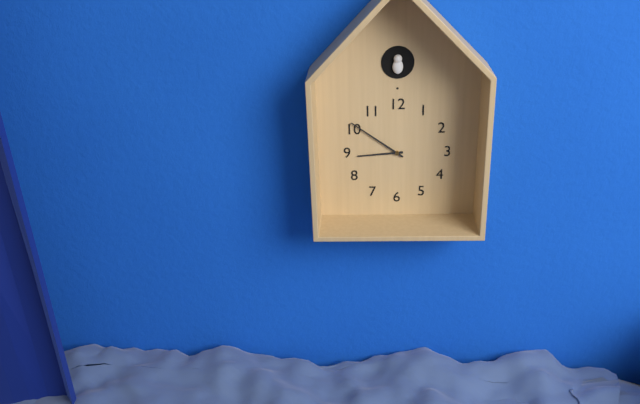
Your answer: **8:51**
